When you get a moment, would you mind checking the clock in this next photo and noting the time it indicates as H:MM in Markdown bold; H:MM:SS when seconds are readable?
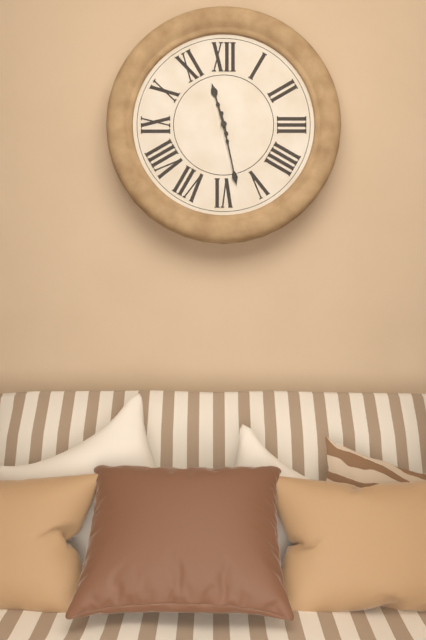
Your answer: **11:28**
